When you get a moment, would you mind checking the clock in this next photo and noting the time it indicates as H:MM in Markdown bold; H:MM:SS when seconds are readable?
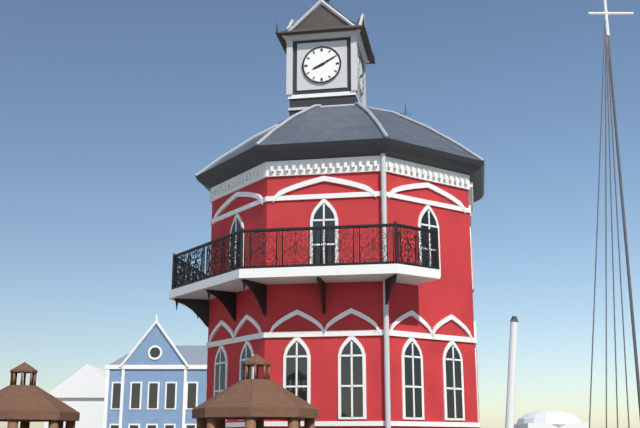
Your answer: **8:10**
